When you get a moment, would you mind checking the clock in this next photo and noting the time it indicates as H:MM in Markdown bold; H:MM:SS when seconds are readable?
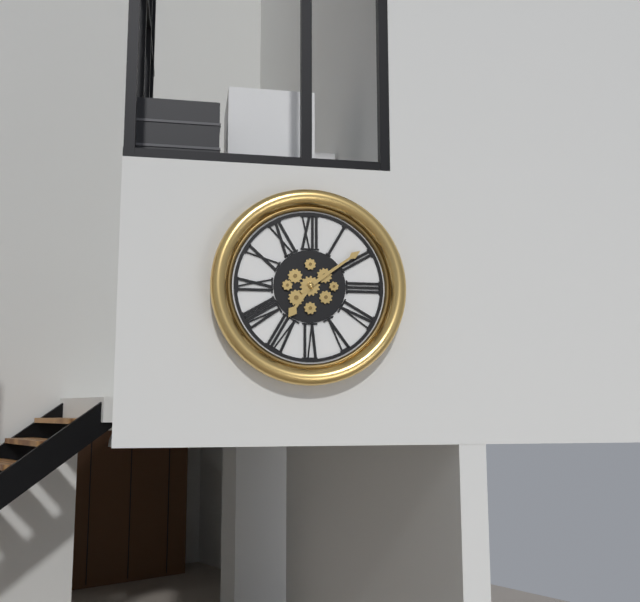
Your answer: **7:09**
